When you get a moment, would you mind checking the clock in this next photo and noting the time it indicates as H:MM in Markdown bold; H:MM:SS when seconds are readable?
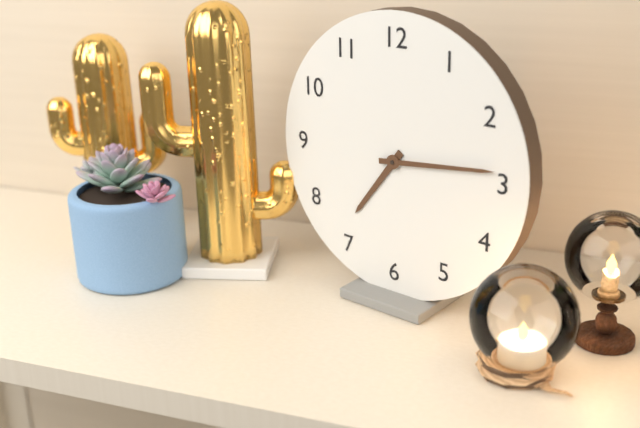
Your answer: **7:14**
